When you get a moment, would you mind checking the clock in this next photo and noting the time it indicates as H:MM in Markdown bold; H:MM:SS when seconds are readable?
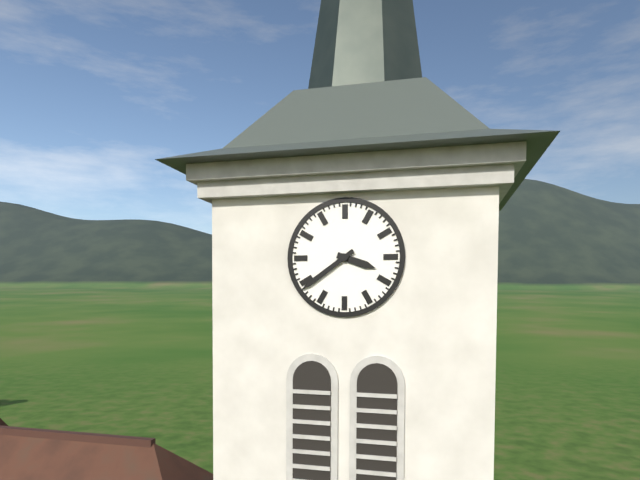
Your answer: **3:39**
